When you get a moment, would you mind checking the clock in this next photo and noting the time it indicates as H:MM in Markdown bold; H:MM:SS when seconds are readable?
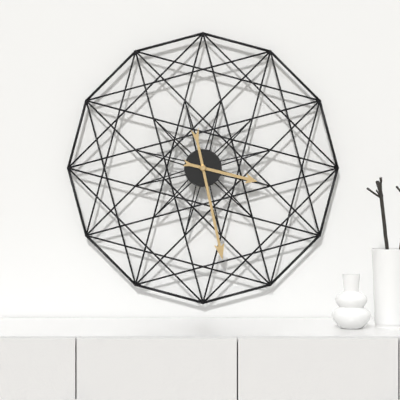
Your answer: **3:28**
